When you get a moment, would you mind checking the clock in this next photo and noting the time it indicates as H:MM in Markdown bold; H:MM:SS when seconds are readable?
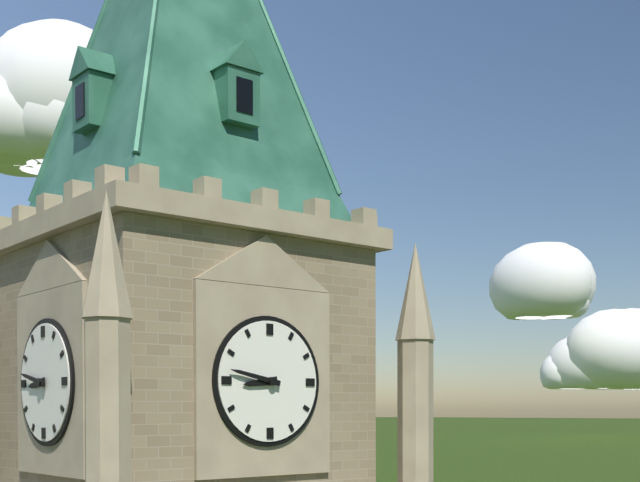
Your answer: **8:47**
